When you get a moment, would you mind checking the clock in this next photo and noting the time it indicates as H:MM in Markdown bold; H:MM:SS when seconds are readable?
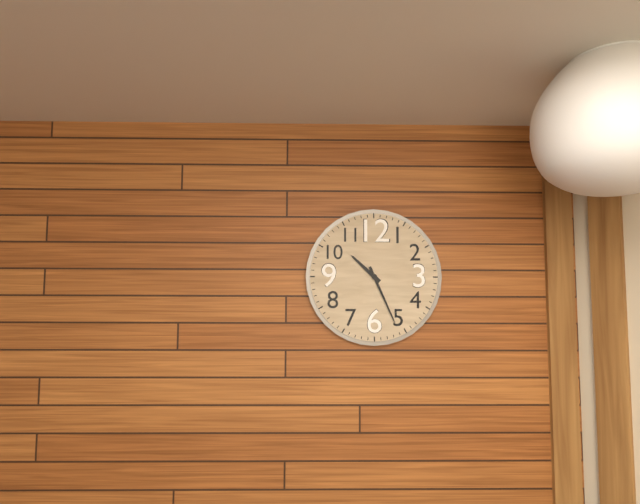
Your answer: **10:26**
